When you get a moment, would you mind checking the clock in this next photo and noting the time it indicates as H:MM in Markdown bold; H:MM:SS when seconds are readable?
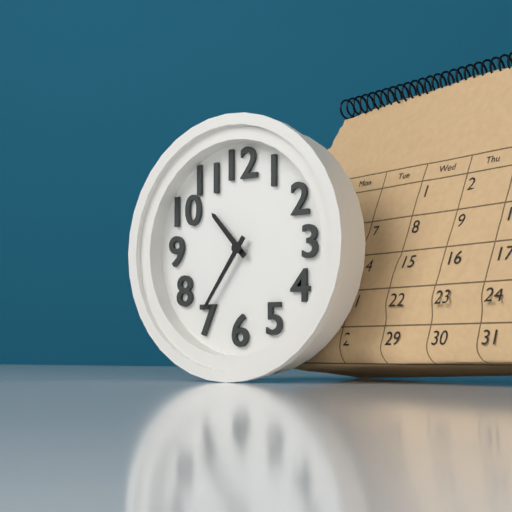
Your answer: **10:36**
